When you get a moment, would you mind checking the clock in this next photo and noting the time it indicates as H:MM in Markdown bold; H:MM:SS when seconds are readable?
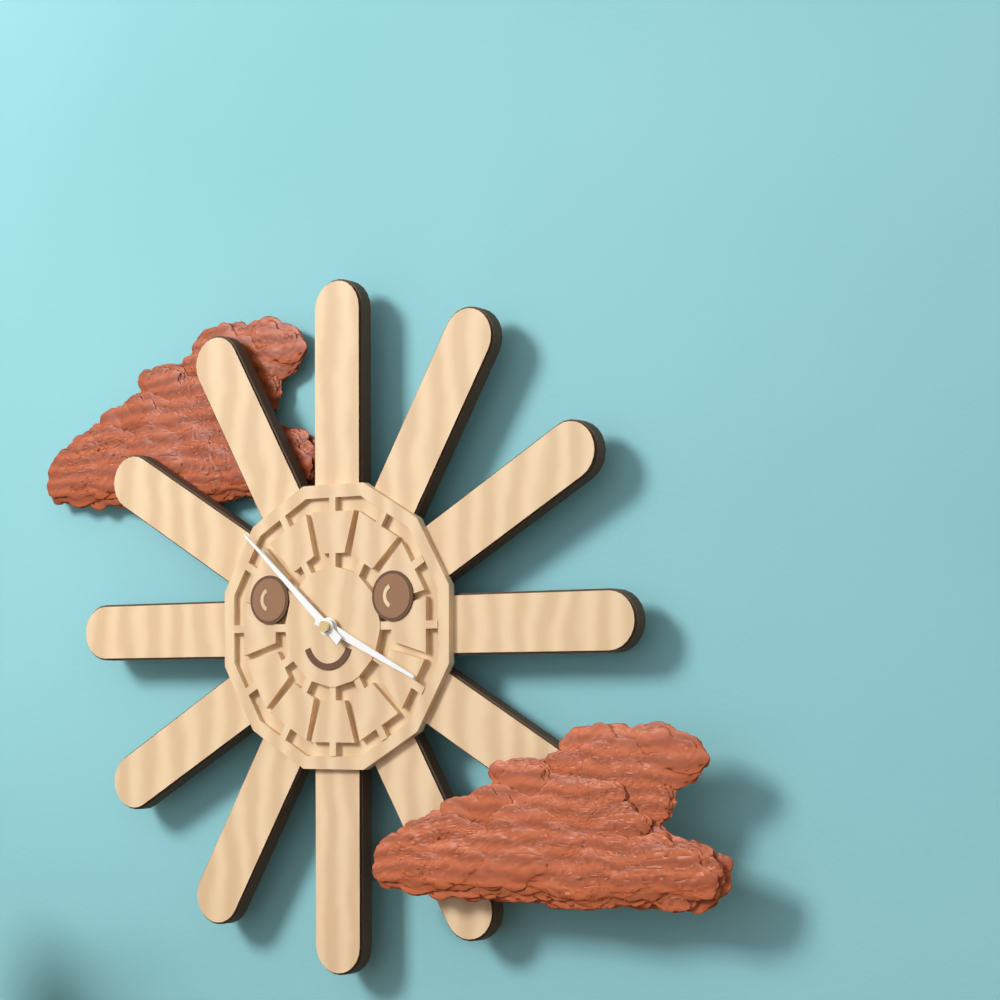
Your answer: **3:52**
